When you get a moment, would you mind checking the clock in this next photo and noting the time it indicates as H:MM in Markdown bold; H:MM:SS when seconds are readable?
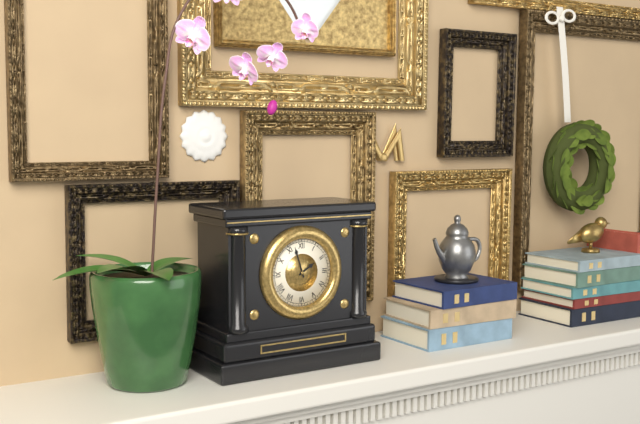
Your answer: **1:57**
